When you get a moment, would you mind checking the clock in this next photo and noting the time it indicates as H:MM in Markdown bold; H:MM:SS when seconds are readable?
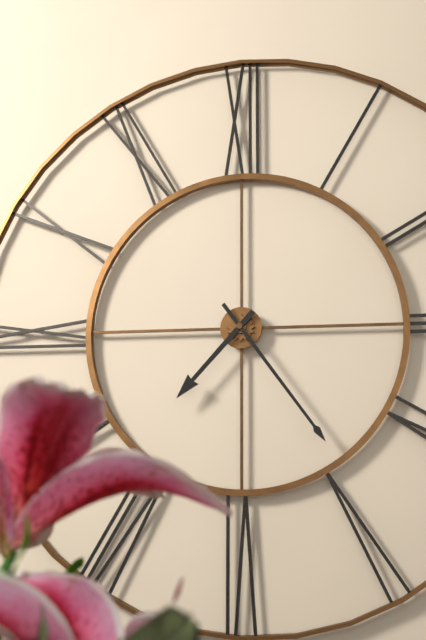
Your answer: **7:24**
